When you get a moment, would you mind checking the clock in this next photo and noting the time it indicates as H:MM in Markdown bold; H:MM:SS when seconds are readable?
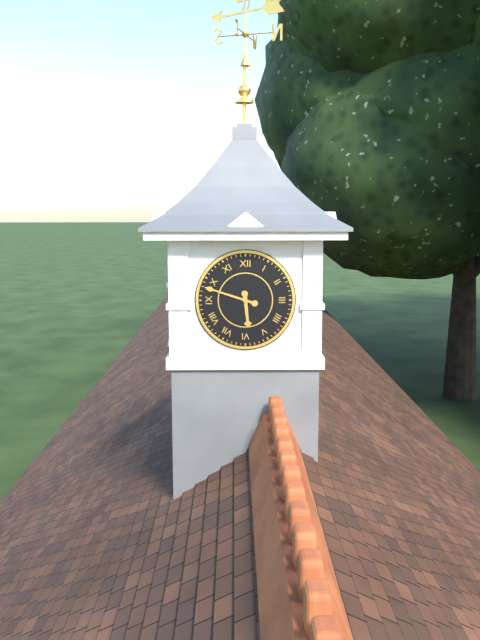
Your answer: **5:48**
